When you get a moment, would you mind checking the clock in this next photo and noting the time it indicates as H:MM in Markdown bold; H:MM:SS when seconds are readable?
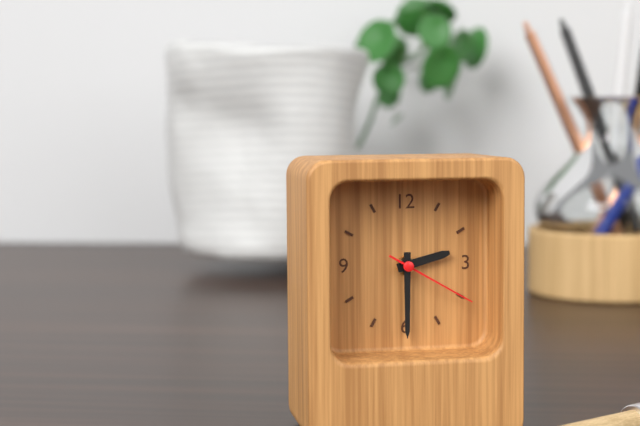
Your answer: **2:30:20**
